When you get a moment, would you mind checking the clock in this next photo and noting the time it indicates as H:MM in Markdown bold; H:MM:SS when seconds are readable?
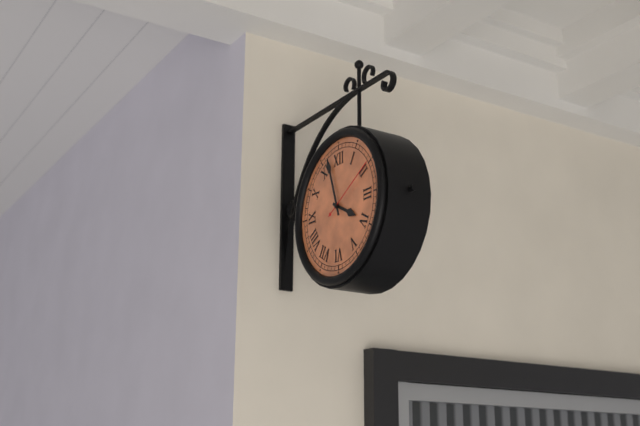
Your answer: **3:57:10**
